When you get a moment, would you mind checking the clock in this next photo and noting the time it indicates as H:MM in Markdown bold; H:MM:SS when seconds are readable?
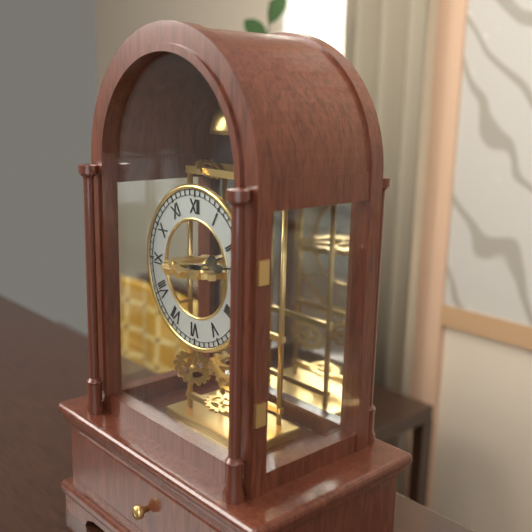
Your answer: **2:13**
